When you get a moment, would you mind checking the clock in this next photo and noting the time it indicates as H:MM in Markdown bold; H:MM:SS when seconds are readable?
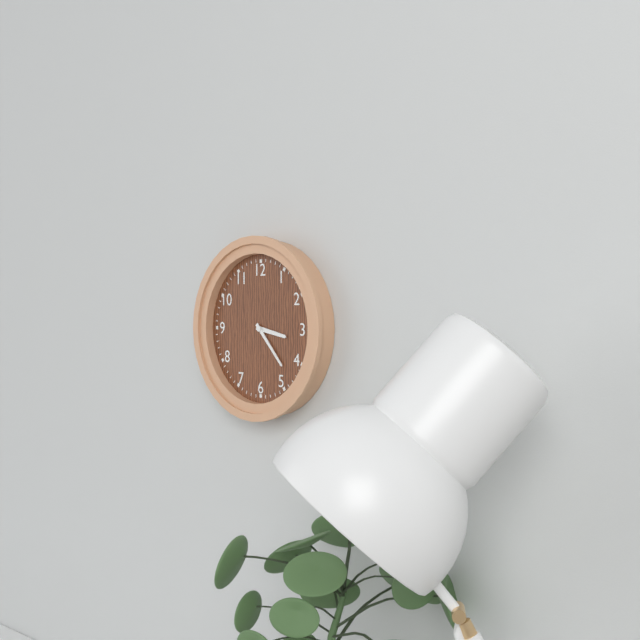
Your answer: **3:23**
